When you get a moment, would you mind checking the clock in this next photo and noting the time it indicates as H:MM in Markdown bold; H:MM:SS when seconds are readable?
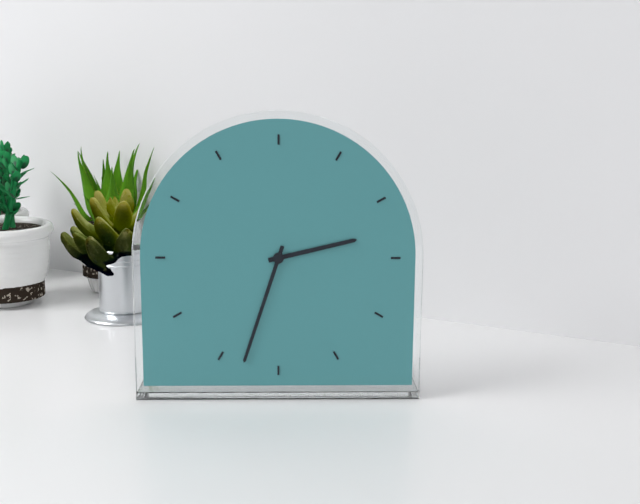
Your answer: **2:33**
